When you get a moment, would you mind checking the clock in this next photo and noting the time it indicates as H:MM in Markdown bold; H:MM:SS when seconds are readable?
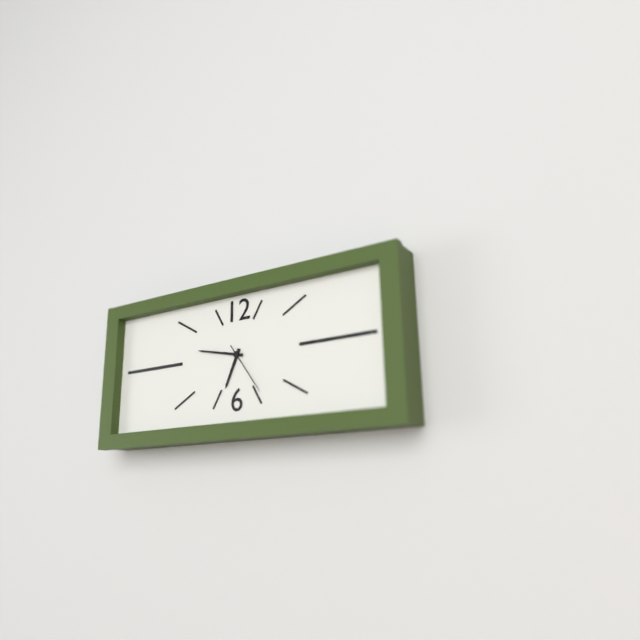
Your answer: **6:47**
